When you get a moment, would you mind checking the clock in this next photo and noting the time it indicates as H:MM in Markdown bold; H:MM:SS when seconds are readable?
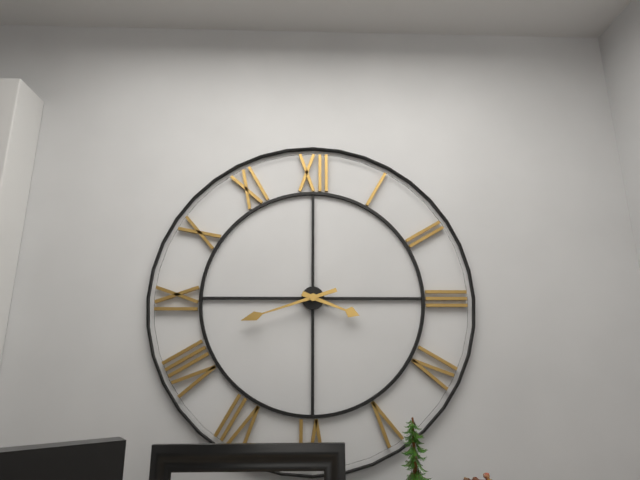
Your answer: **3:42**
